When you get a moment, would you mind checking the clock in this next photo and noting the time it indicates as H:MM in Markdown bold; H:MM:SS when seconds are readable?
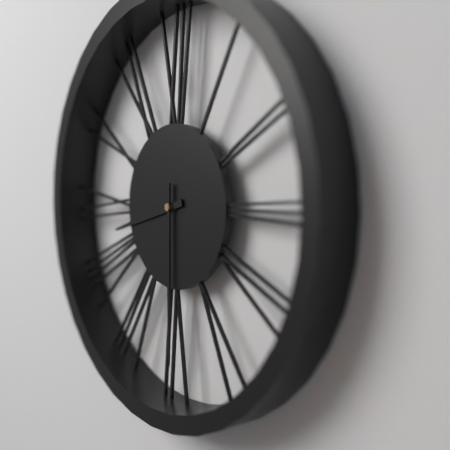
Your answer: **8:30**
